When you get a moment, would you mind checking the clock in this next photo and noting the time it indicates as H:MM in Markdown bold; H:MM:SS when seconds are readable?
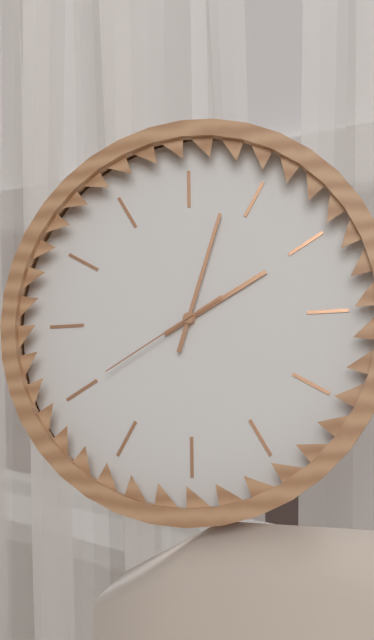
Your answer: **2:03:40**
